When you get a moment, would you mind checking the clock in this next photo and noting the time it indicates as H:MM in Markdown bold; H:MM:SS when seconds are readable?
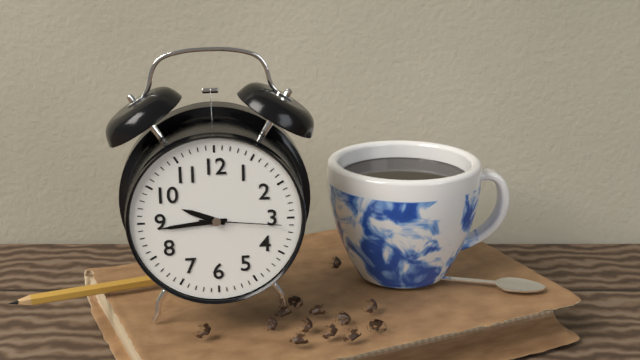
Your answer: **9:44:16**
